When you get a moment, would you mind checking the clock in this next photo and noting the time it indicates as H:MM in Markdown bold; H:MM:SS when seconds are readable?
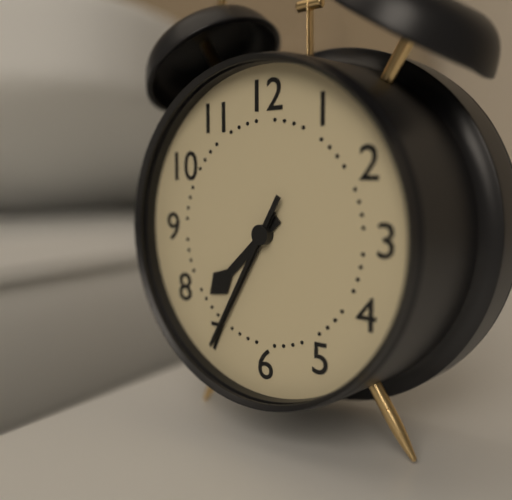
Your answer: **7:35:35**
